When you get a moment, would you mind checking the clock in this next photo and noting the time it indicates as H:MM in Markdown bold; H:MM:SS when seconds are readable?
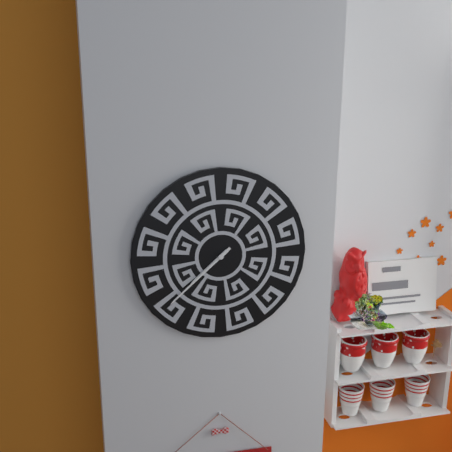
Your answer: **7:38**
